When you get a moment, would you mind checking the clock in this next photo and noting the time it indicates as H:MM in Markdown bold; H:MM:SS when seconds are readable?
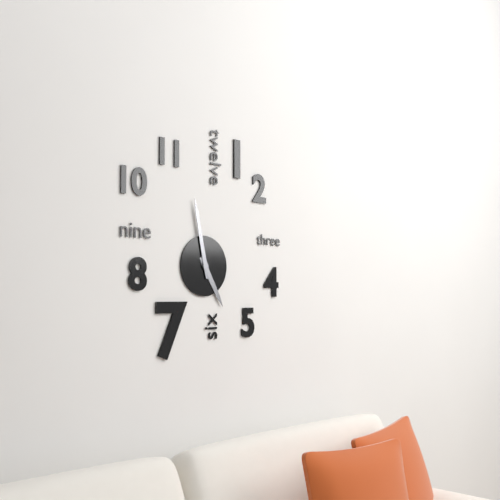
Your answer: **4:58**
